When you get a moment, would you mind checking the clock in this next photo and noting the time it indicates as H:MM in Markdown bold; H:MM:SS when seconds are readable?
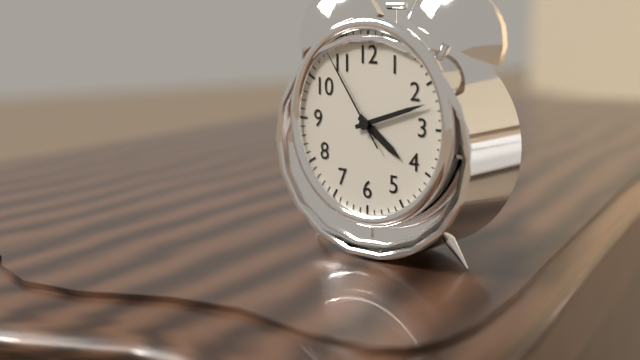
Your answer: **4:12:54**
